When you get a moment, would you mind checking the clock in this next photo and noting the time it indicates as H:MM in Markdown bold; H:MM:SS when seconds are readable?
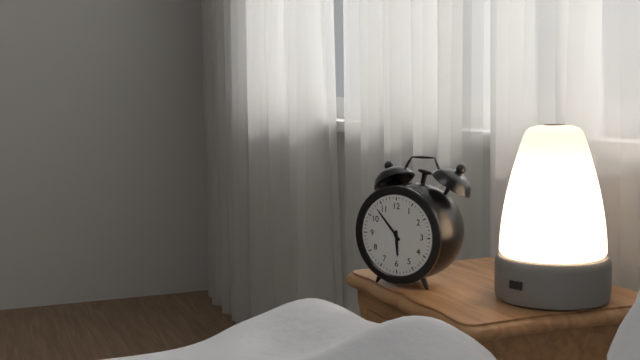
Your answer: **5:53**
